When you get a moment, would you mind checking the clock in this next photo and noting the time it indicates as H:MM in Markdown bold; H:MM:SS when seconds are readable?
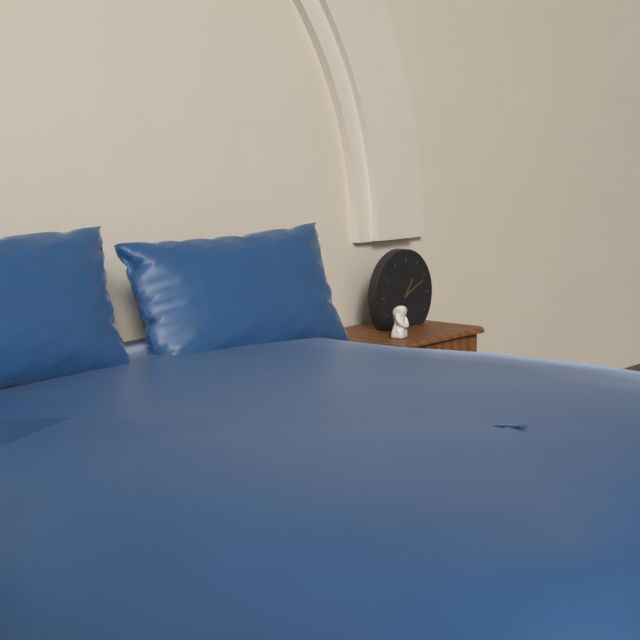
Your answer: **1:11**
